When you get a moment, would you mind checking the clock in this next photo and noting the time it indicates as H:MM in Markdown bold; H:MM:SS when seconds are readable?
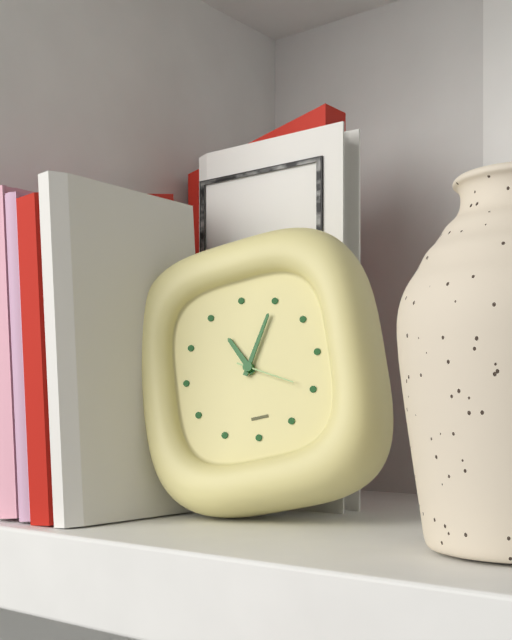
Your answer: **11:05:20**
